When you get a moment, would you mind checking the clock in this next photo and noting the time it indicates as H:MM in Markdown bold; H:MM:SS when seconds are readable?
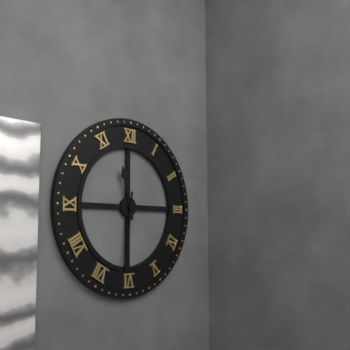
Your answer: **11:31**
